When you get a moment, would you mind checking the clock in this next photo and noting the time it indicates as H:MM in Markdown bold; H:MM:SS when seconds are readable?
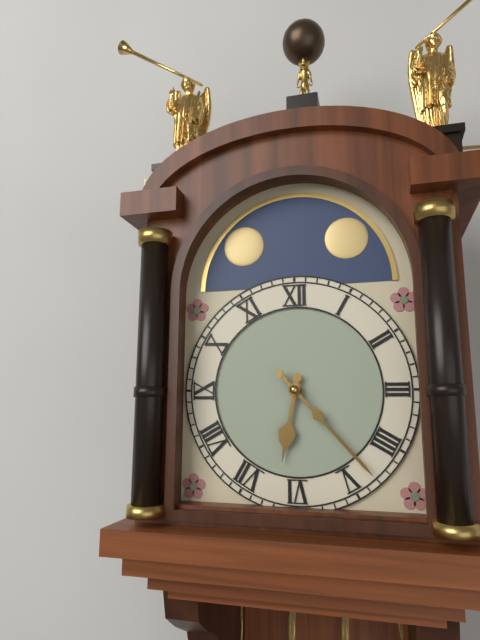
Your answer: **6:23**
